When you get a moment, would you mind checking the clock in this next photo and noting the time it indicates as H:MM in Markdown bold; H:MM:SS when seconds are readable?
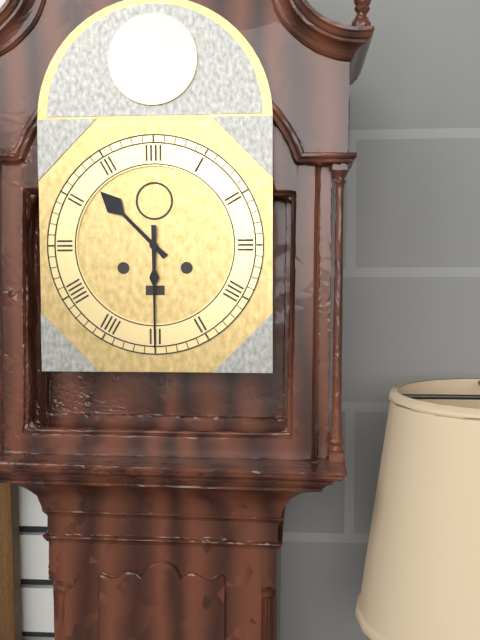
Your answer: **10:30**
